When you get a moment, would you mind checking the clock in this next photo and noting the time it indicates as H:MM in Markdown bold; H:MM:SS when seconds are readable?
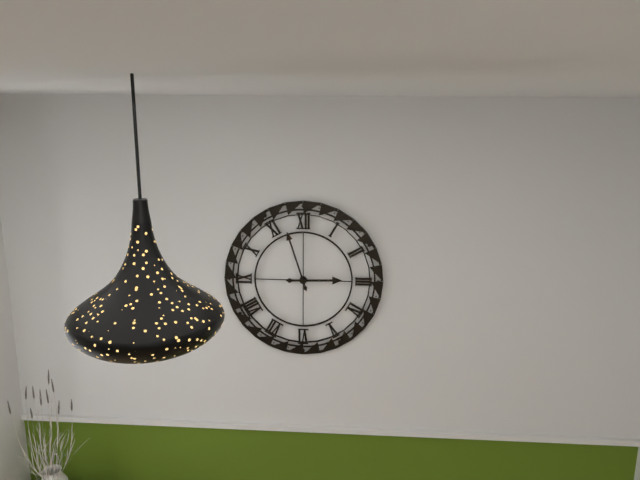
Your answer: **2:57**
